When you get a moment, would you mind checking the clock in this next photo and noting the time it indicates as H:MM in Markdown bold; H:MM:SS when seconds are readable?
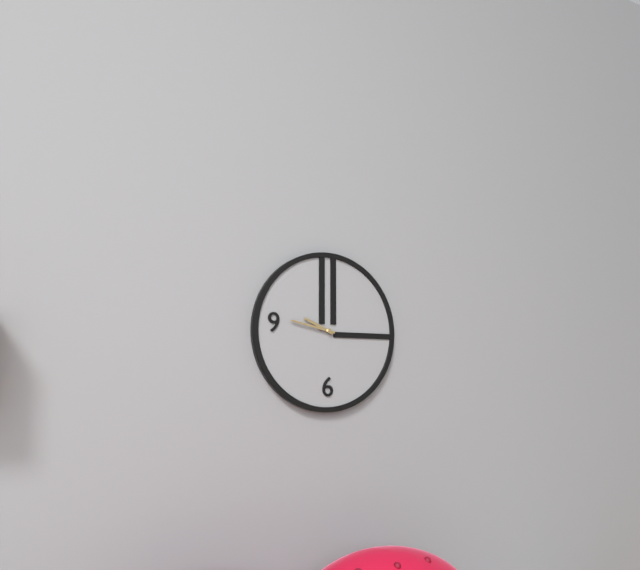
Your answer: **9:47**
